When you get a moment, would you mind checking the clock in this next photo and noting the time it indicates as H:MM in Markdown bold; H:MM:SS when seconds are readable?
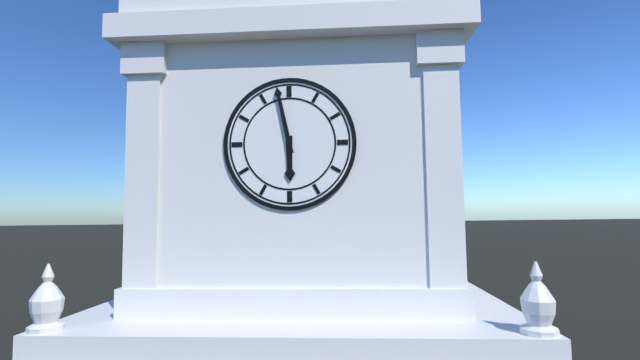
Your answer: **5:58**
